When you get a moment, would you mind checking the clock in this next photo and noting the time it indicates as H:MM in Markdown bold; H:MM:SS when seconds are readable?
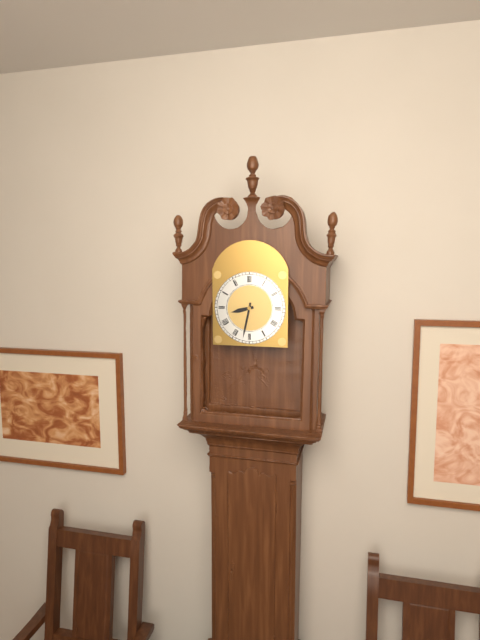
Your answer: **8:32**
